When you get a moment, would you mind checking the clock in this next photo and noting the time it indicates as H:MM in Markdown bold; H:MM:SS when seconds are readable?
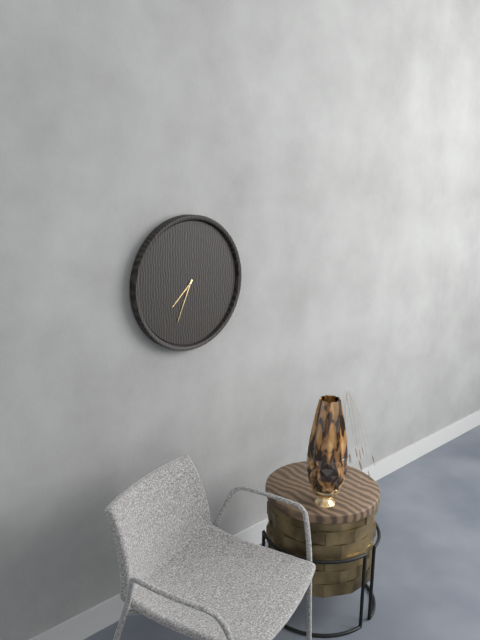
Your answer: **7:34**
